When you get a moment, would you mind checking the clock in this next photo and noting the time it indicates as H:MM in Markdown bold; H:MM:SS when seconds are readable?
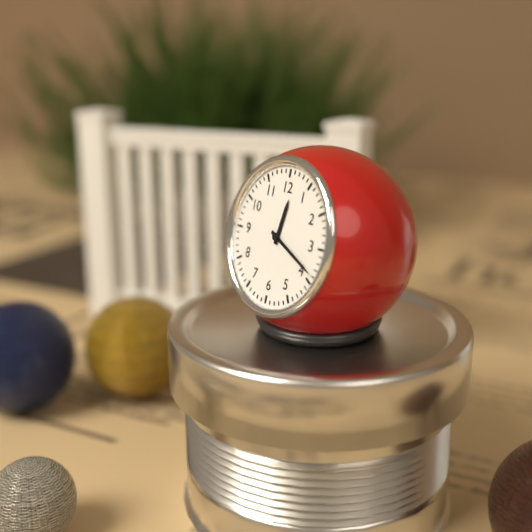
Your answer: **12:19**
